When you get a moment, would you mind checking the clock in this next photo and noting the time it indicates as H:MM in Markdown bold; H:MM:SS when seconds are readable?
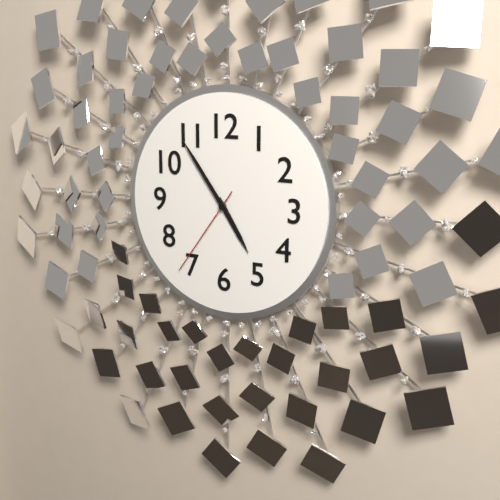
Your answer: **4:54:36**
